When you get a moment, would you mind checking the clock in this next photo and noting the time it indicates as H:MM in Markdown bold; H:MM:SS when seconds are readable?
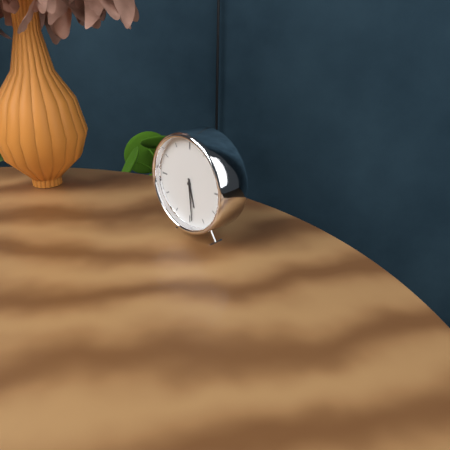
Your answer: **5:29**
